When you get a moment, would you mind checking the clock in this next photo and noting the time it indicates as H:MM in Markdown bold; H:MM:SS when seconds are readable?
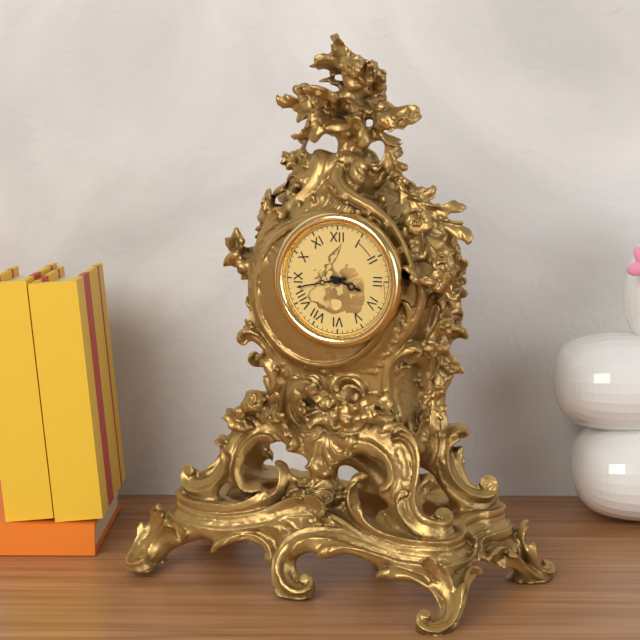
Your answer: **3:43**
